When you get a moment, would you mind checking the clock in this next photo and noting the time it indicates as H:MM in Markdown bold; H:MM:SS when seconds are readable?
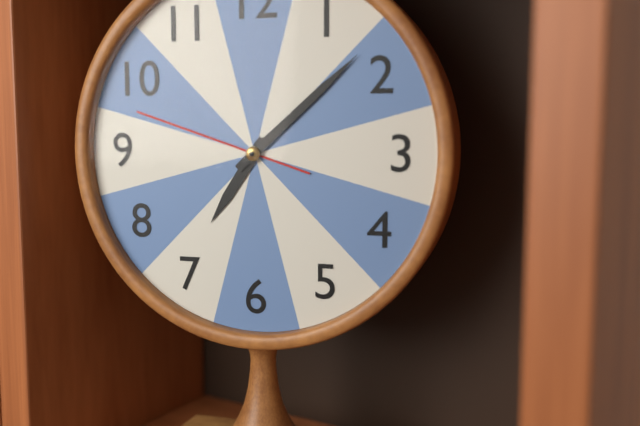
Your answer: **7:08:48**
